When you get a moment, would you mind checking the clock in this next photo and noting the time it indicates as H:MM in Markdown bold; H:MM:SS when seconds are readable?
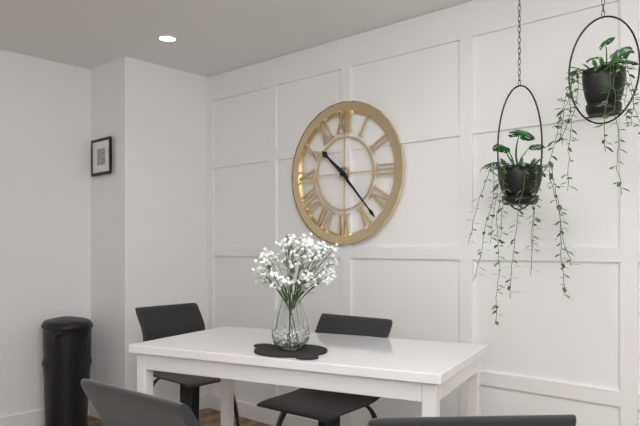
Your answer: **10:23**
